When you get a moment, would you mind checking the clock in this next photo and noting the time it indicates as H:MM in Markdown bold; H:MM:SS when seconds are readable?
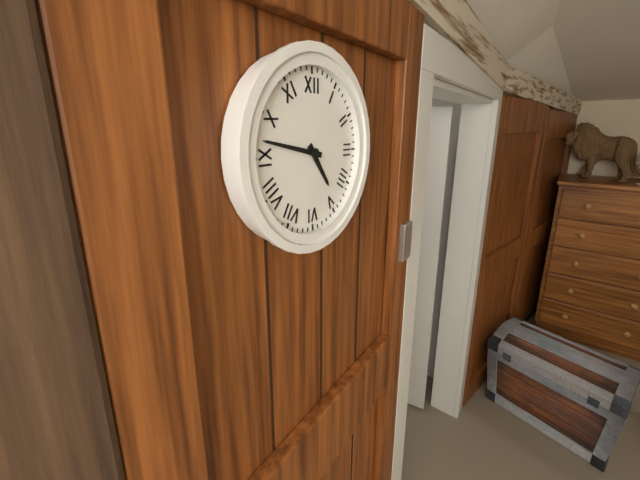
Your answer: **4:47**
